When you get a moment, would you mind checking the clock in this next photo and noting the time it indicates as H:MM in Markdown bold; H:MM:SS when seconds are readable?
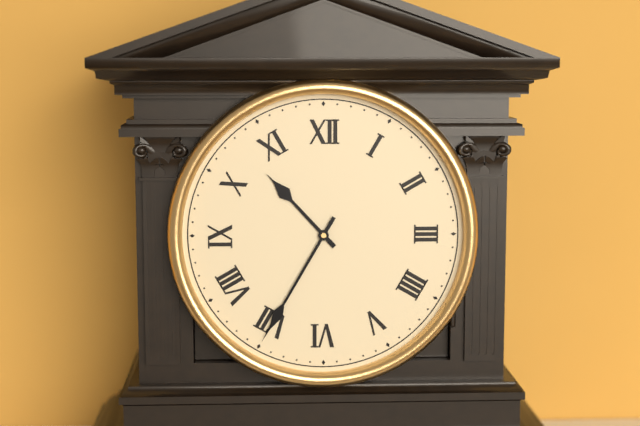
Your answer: **10:35**
